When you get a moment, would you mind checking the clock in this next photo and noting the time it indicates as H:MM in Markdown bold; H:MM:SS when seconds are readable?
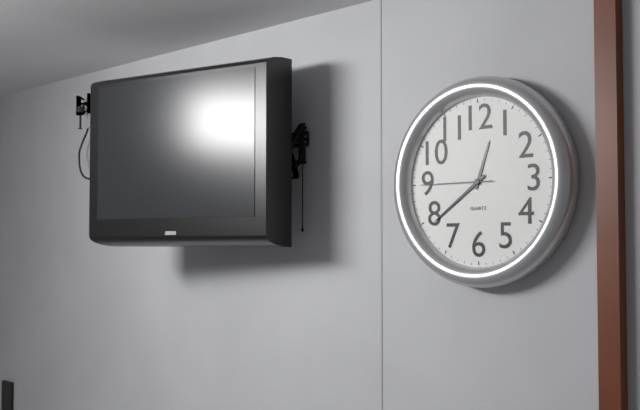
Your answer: **12:39:45**
